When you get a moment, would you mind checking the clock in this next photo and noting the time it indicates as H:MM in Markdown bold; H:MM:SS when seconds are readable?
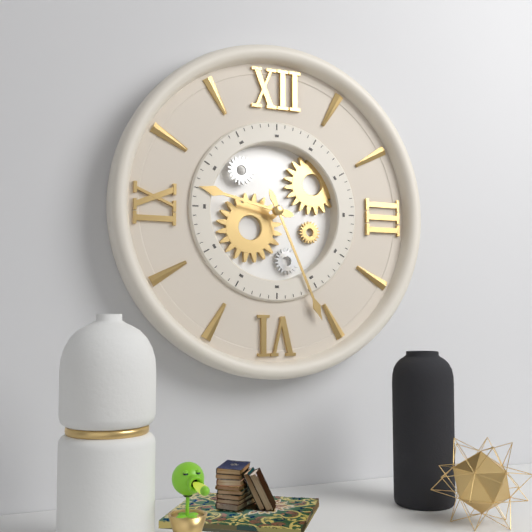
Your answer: **9:26**
